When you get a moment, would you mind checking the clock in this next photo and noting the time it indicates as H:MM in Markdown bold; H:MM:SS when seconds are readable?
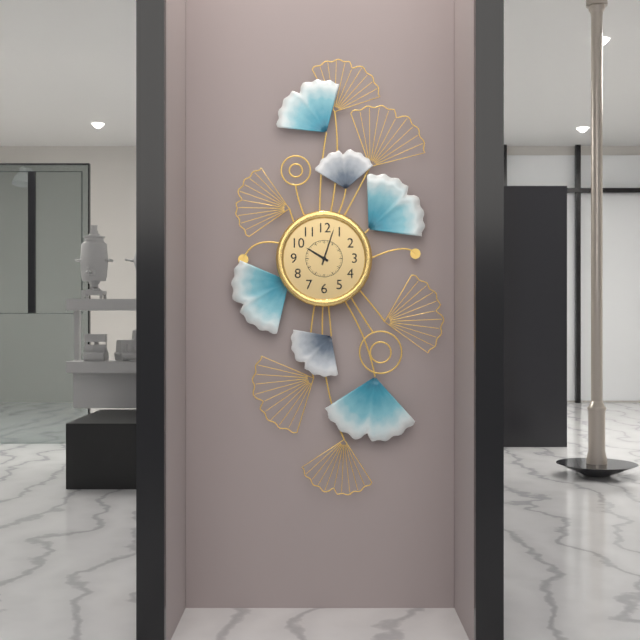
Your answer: **10:03**
